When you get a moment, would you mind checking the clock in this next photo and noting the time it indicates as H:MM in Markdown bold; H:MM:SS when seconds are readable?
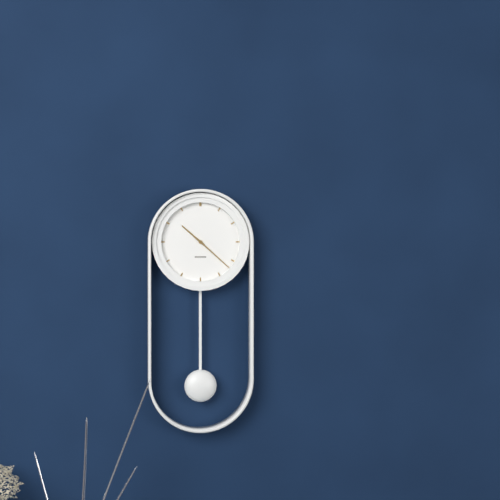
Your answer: **10:22**
